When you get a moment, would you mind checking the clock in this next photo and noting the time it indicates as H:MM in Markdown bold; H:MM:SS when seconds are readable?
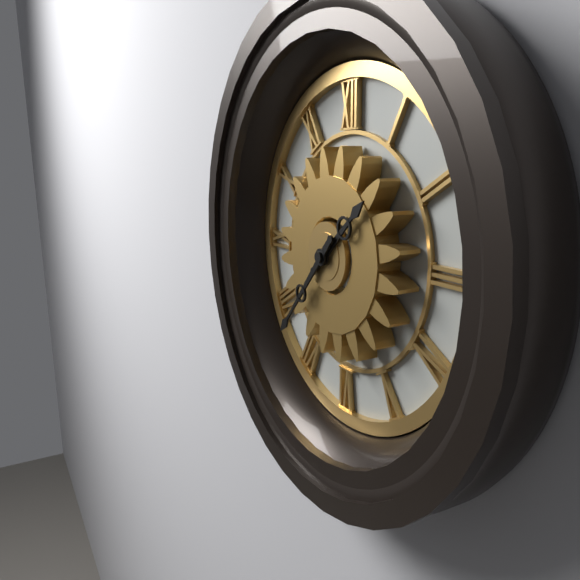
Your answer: **1:37**
